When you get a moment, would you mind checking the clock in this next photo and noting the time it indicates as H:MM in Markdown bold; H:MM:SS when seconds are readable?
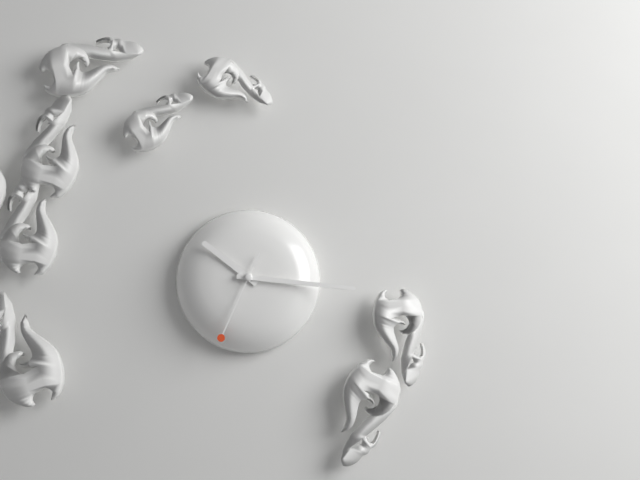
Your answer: **10:16:34**
